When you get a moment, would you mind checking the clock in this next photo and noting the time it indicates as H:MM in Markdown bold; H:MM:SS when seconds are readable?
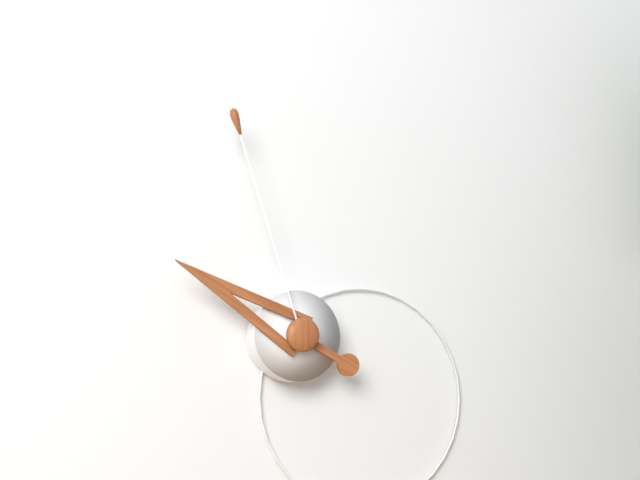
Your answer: **9:57**
